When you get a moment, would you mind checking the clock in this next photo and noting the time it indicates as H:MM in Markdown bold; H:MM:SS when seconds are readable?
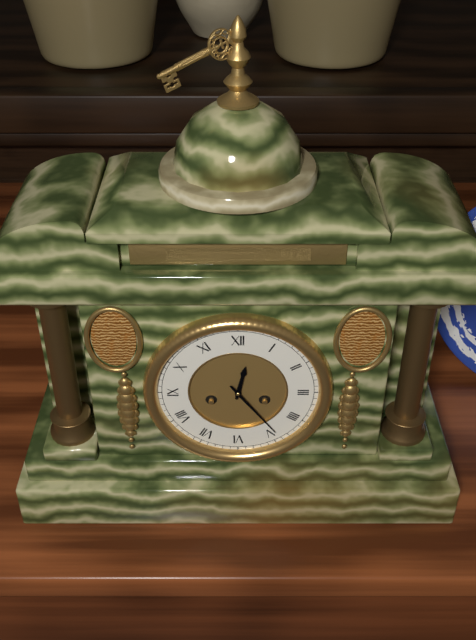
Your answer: **12:24**
